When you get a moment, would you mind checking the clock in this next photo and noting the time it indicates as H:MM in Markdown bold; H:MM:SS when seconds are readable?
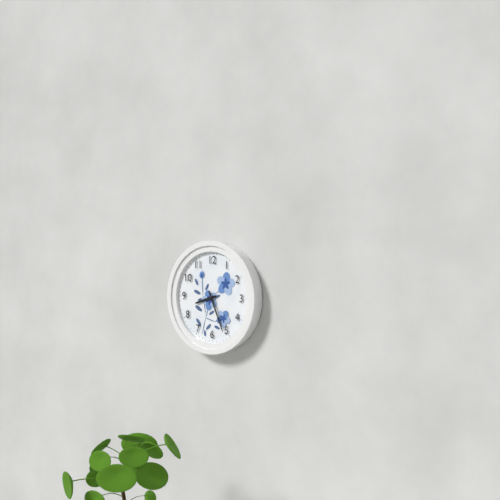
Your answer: **8:26**
